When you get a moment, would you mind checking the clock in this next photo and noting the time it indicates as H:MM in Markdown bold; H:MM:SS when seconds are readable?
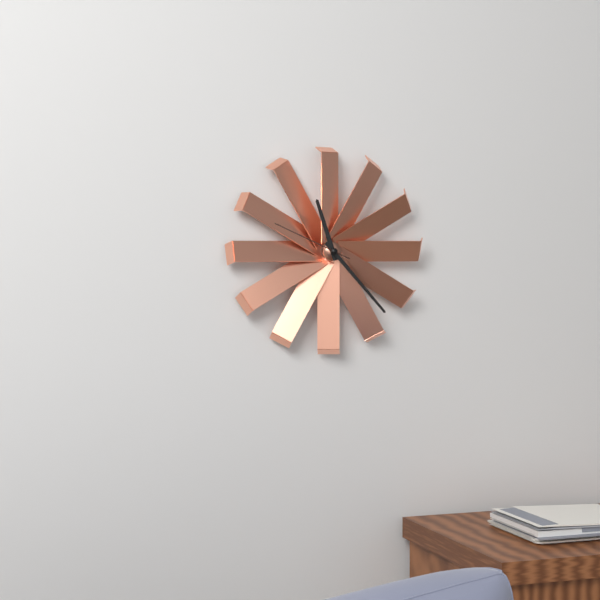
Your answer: **11:23:49**
